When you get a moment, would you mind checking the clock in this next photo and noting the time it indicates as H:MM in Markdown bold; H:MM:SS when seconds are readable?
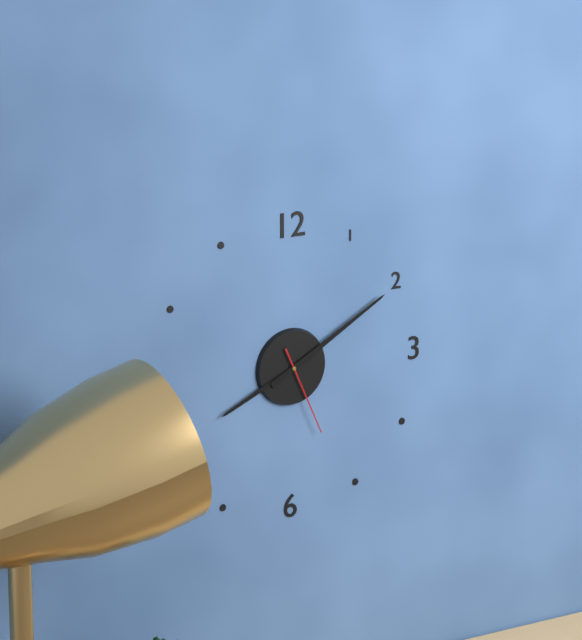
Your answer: **8:10:26**
